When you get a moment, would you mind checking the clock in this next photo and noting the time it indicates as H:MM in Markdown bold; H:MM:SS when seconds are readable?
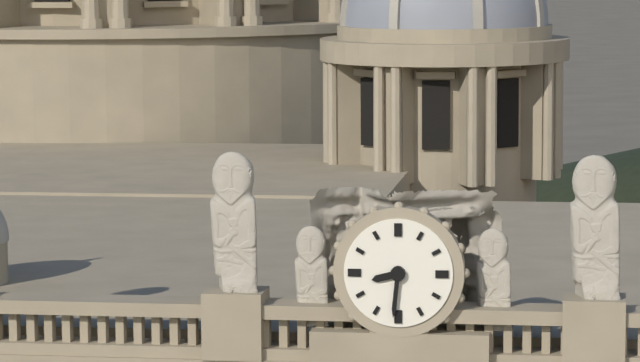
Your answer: **8:31**
